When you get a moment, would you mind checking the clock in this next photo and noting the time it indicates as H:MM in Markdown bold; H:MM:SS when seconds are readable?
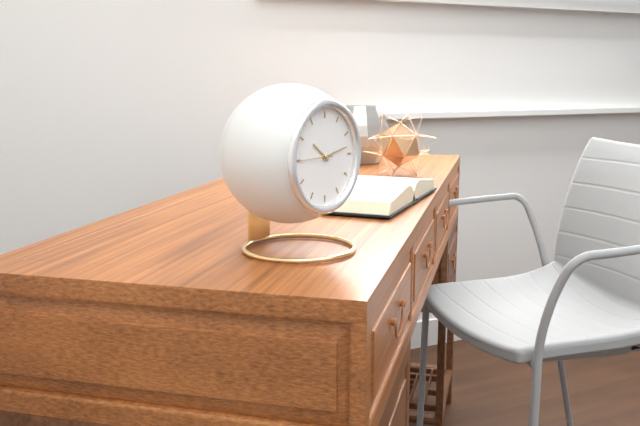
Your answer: **10:13**
